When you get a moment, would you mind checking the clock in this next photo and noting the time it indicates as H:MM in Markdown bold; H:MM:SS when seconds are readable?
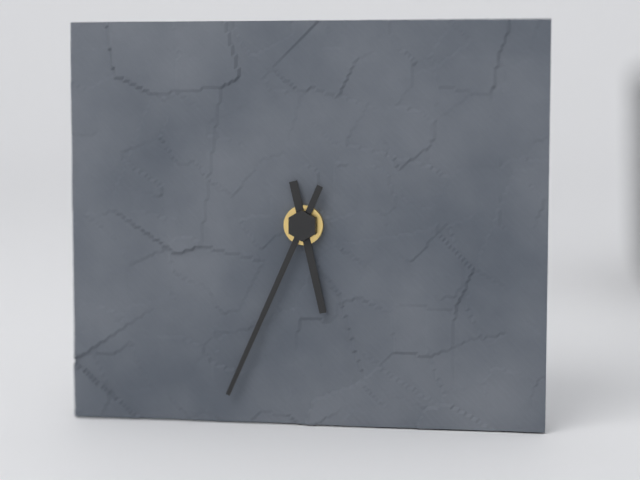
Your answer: **5:34**
